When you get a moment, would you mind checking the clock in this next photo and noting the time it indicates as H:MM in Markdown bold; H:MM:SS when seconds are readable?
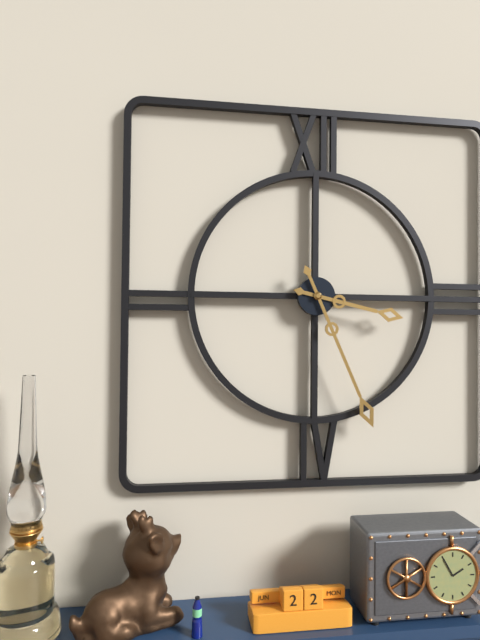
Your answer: **3:26**
